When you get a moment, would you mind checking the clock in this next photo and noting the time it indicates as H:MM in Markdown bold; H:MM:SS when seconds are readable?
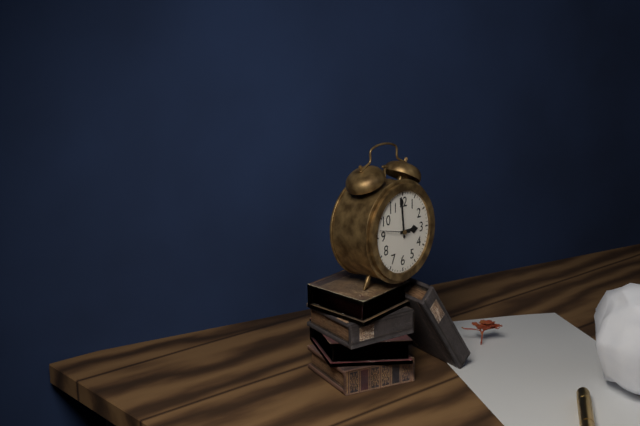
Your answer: **2:59**
